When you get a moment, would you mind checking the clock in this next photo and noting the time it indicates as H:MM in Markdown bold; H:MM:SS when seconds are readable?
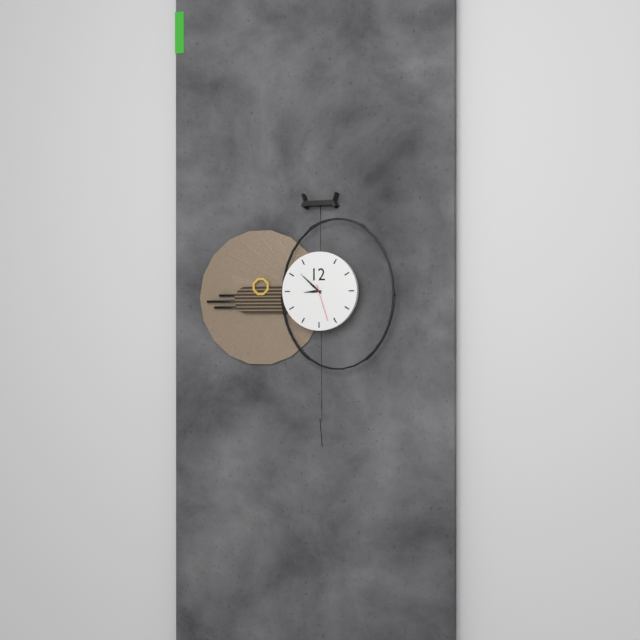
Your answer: **8:52**
